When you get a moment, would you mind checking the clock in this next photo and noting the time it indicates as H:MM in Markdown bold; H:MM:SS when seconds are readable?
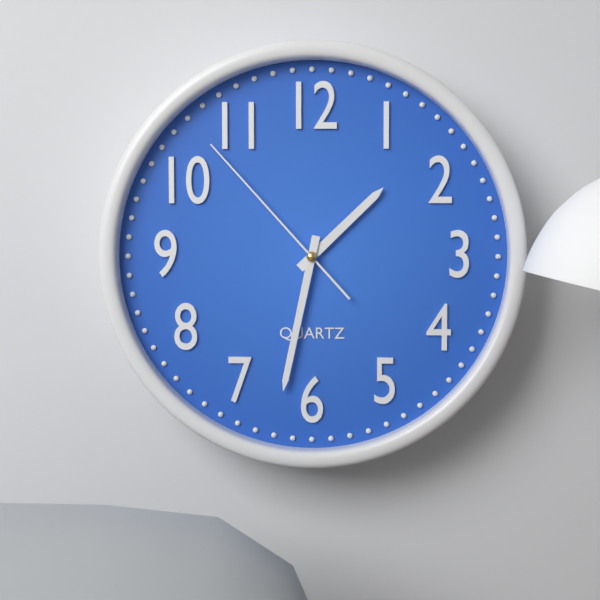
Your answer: **1:32:53**
